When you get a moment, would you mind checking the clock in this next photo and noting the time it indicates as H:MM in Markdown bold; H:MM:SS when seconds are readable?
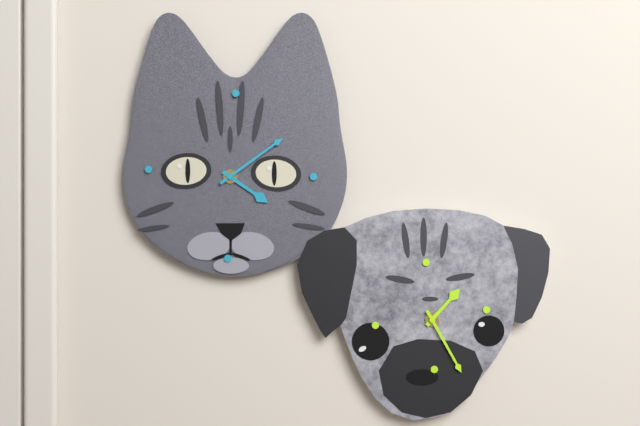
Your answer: **4:09**
